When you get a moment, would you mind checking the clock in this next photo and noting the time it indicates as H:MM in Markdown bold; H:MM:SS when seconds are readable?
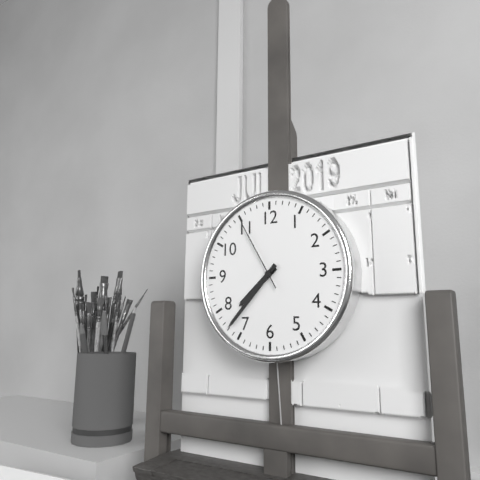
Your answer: **7:37:55**
